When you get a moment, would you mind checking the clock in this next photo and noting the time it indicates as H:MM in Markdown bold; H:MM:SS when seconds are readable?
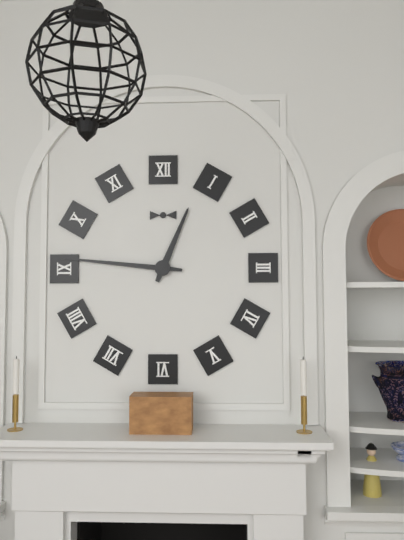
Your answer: **12:46**
